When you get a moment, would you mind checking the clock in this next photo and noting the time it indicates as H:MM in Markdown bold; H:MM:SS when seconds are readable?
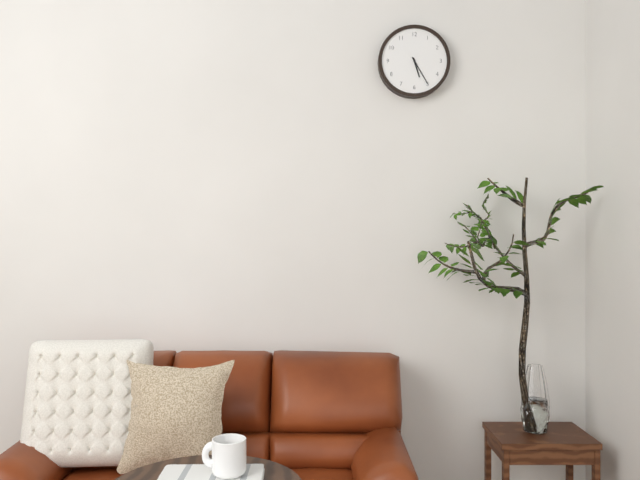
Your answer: **5:25**
